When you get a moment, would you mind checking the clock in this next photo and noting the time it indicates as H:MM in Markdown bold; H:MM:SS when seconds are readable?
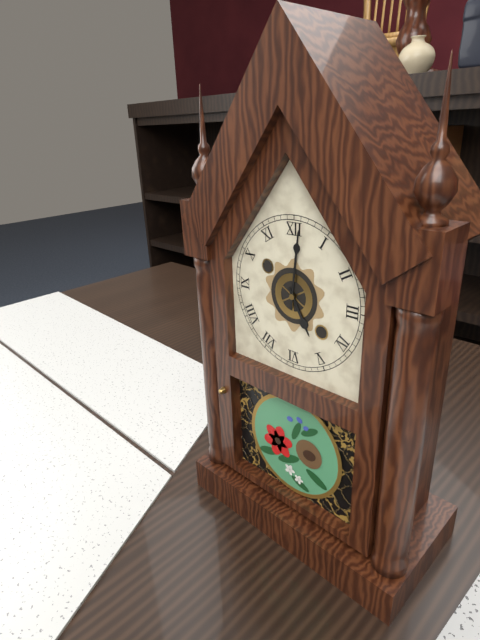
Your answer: **5:01**
